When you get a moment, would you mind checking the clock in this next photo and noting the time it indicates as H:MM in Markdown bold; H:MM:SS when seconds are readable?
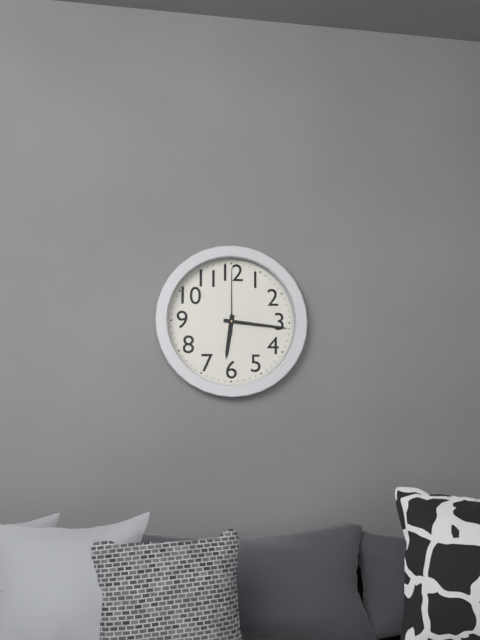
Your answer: **6:16:00**
